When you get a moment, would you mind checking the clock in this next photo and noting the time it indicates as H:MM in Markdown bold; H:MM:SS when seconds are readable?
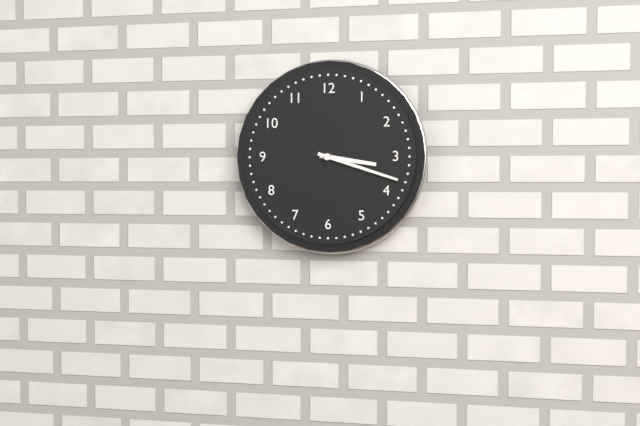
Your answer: **3:18**
